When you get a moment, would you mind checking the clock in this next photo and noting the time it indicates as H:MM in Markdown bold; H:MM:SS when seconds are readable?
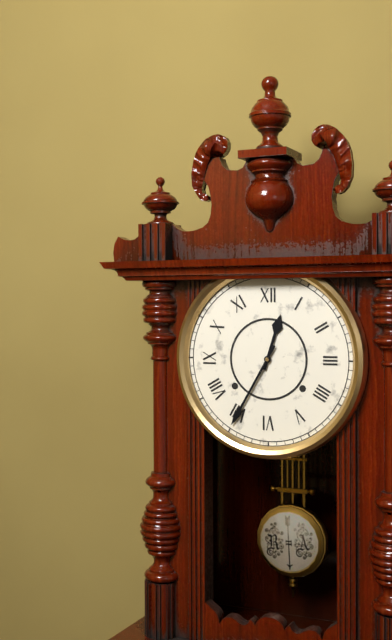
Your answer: **12:35**
